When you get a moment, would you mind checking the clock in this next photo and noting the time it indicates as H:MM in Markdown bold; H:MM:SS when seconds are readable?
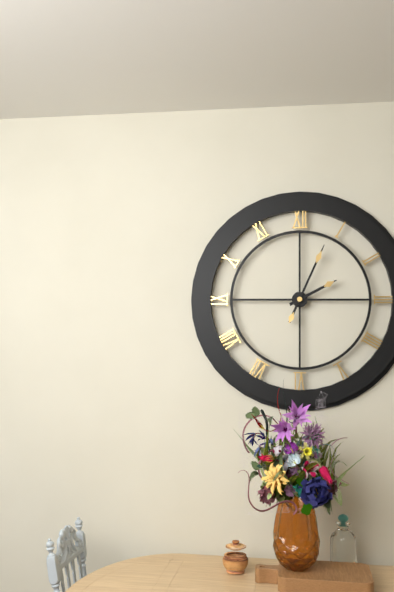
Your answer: **2:04**
